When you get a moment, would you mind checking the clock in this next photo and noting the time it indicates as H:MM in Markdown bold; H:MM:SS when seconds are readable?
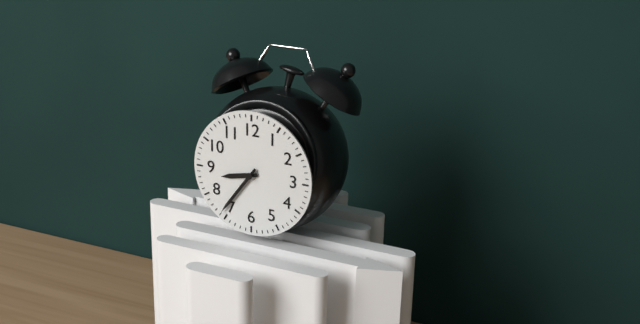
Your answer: **8:36**
